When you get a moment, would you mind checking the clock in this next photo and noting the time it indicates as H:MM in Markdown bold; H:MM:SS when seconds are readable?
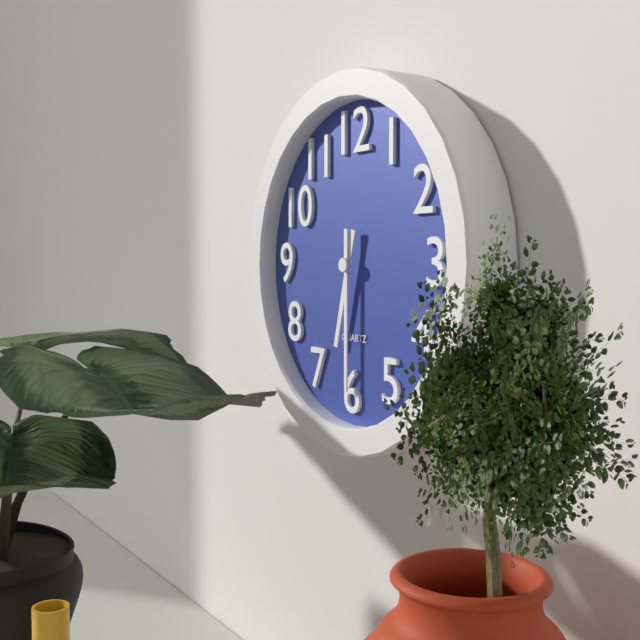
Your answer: **6:30**
